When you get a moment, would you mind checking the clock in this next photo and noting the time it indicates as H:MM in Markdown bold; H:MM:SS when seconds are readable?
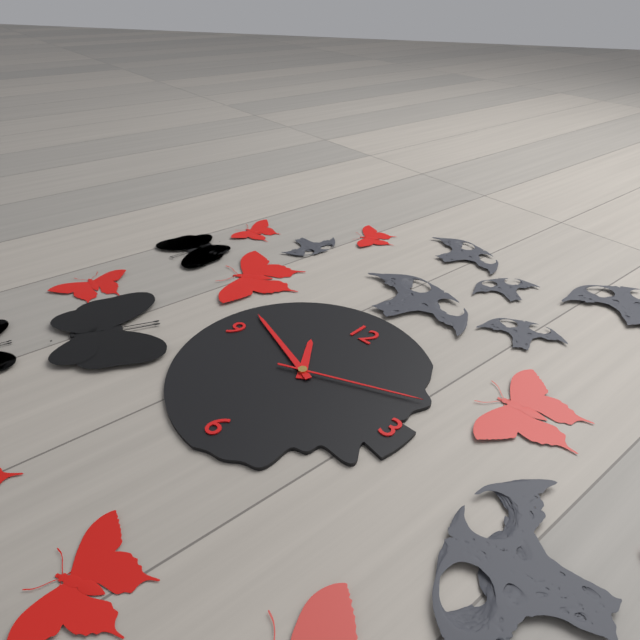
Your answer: **10:48:11**
